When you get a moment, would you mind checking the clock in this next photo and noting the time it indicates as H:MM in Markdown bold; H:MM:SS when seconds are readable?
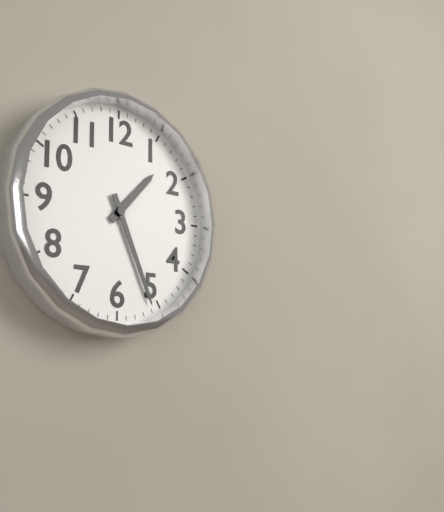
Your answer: **1:26**
